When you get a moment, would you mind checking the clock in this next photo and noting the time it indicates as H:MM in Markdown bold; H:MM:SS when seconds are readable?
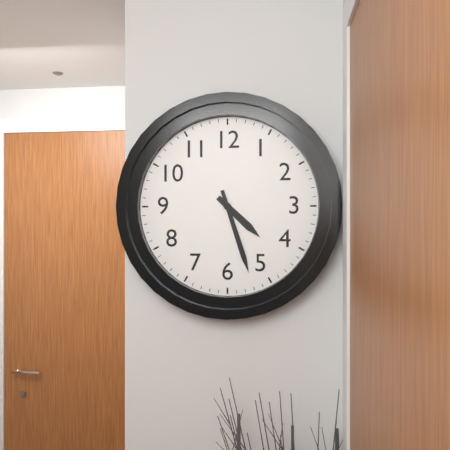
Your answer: **4:27**
